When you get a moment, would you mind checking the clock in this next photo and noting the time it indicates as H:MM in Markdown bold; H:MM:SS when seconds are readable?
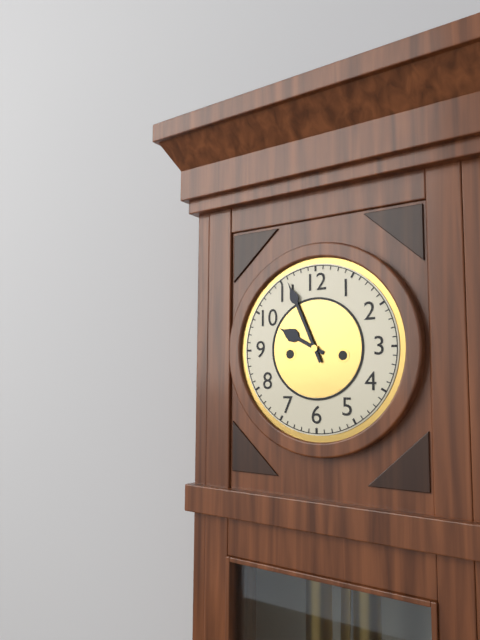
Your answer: **9:56**
